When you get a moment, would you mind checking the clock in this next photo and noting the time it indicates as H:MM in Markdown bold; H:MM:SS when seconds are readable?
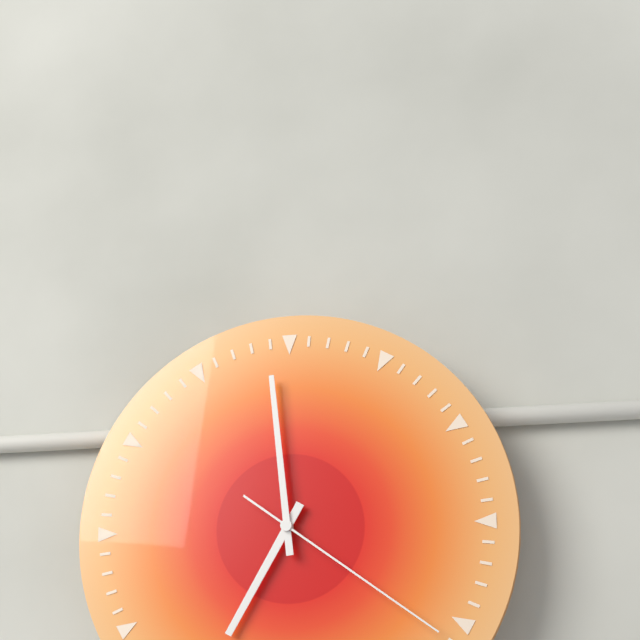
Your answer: **6:59:21**
